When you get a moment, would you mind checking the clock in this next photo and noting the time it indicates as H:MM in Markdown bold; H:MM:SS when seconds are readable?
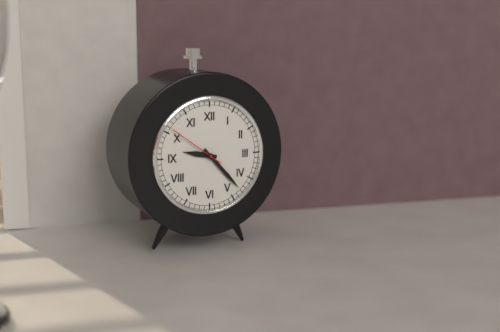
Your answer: **9:23:51**
